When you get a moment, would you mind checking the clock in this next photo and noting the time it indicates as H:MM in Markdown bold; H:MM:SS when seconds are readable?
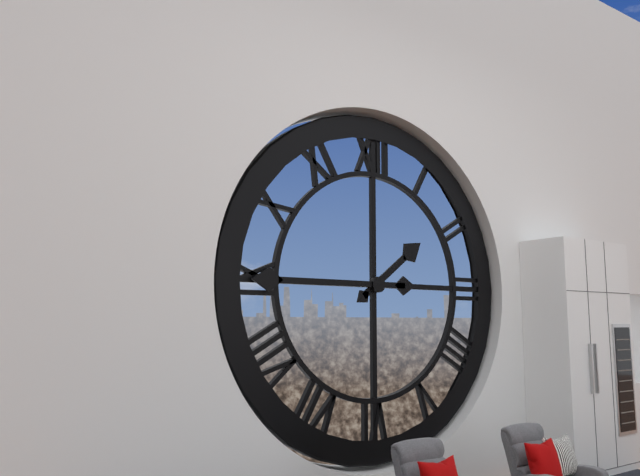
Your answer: **1:45**
